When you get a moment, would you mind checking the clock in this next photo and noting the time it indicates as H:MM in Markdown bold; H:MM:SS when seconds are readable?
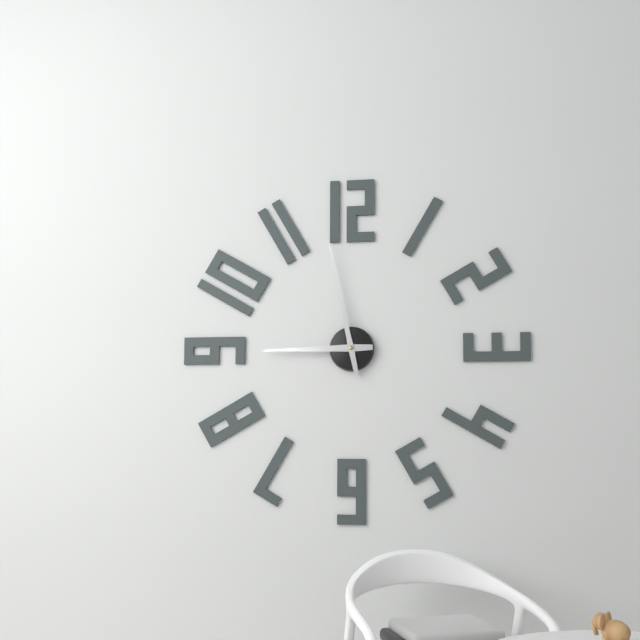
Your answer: **8:58**
